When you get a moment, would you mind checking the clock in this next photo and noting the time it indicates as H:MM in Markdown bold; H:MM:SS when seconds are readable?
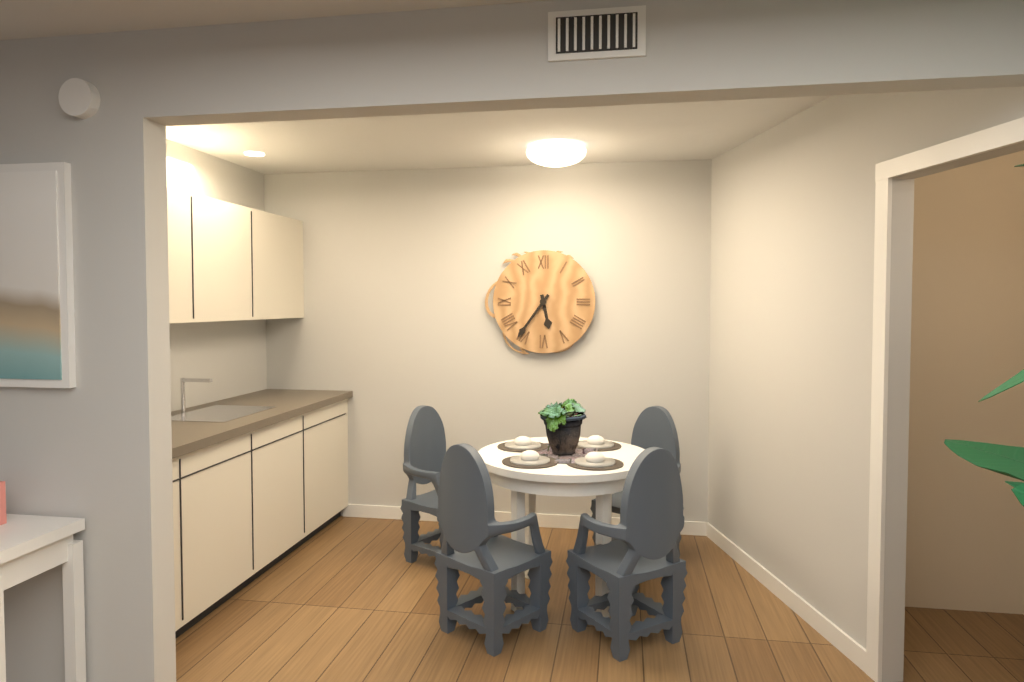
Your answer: **5:36**
